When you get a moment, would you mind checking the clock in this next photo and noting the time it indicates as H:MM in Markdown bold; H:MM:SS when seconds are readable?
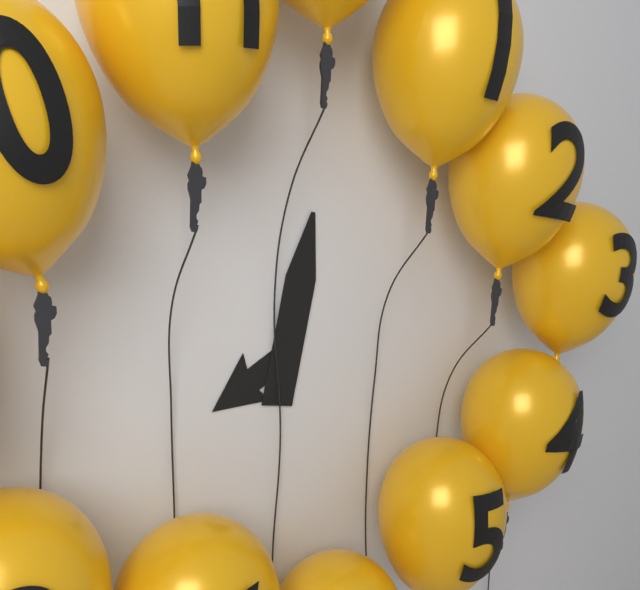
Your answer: **8:02**
